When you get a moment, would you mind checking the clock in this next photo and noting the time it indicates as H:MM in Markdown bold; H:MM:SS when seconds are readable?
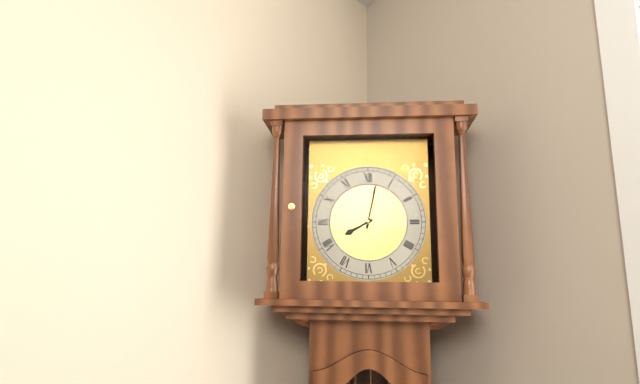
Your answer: **8:02**
